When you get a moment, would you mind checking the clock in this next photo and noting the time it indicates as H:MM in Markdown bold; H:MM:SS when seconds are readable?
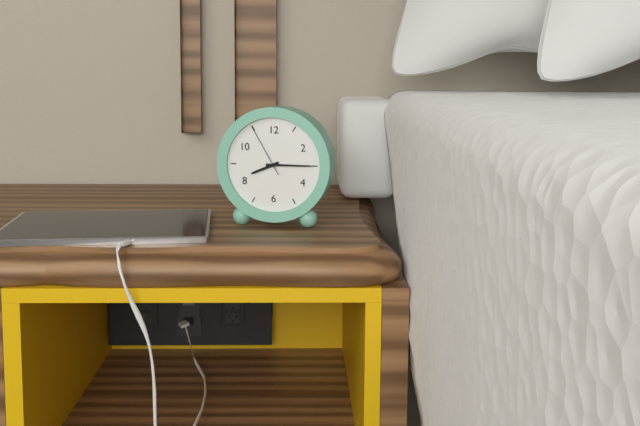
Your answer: **8:15:55**
